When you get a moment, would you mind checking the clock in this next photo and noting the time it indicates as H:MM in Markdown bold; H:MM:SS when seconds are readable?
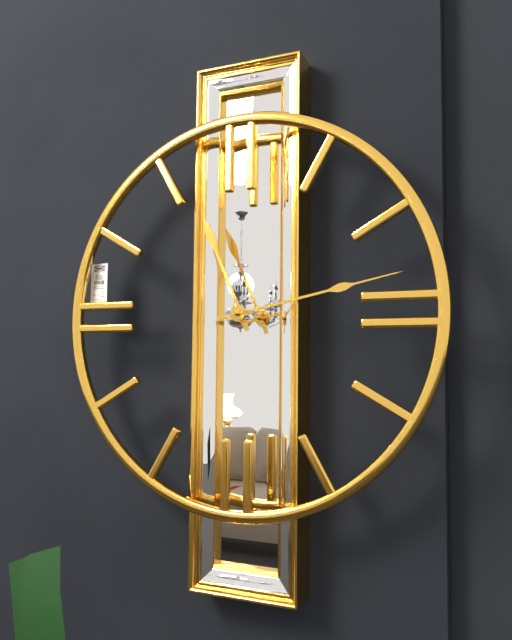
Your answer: **11:13**
